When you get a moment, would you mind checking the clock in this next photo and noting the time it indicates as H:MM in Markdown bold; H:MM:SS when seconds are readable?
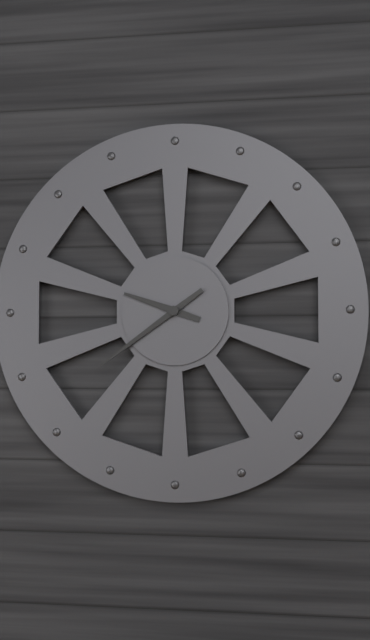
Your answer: **9:39**
